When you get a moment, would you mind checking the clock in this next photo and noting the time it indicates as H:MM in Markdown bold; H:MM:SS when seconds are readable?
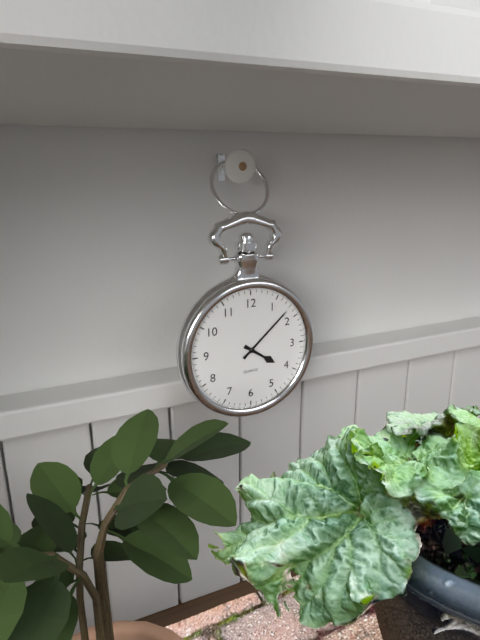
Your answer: **4:08**
